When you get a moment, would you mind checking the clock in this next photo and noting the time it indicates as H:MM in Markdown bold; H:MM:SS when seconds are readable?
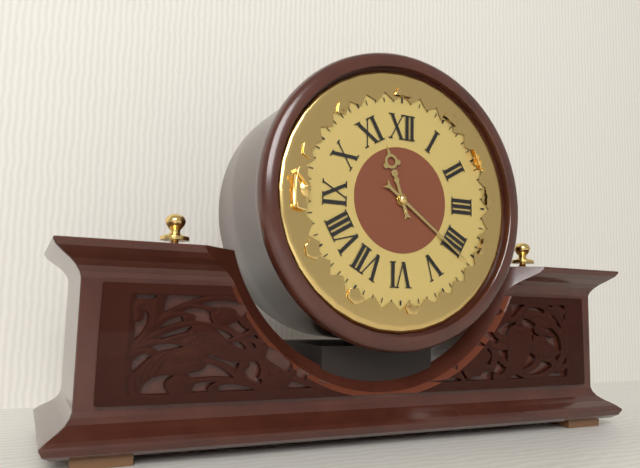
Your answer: **11:21**
